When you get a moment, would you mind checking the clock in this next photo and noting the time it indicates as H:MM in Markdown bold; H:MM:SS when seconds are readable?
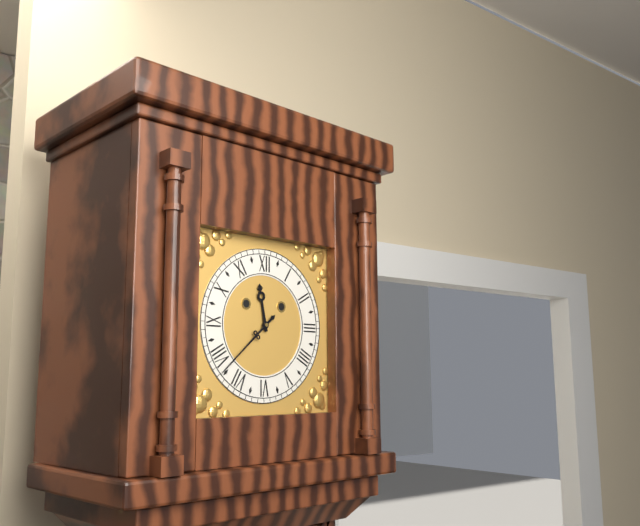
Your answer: **11:38**
